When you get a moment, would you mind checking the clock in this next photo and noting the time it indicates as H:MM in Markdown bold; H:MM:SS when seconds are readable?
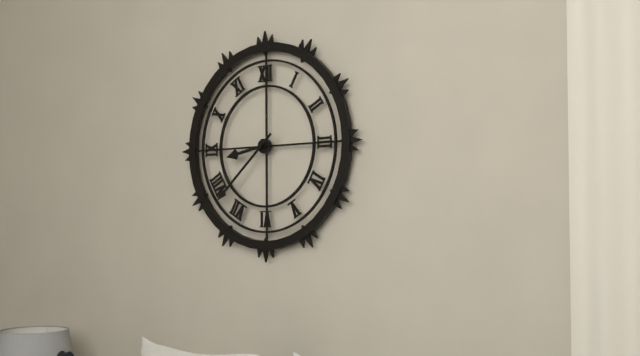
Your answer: **8:38**
